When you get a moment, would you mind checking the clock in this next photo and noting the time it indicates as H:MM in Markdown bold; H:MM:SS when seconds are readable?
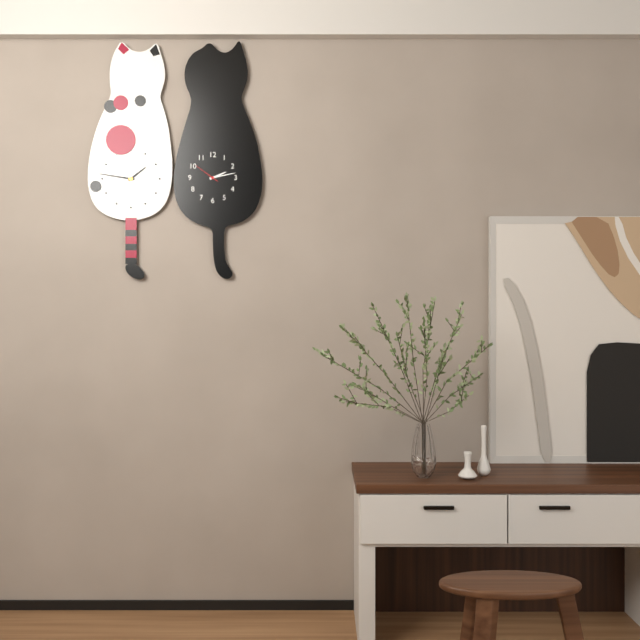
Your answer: **2:13**
